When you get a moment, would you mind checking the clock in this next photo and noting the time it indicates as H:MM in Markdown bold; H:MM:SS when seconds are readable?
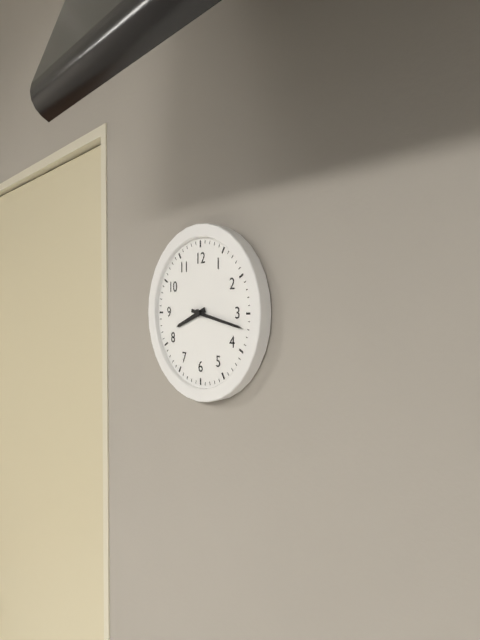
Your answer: **8:17**
